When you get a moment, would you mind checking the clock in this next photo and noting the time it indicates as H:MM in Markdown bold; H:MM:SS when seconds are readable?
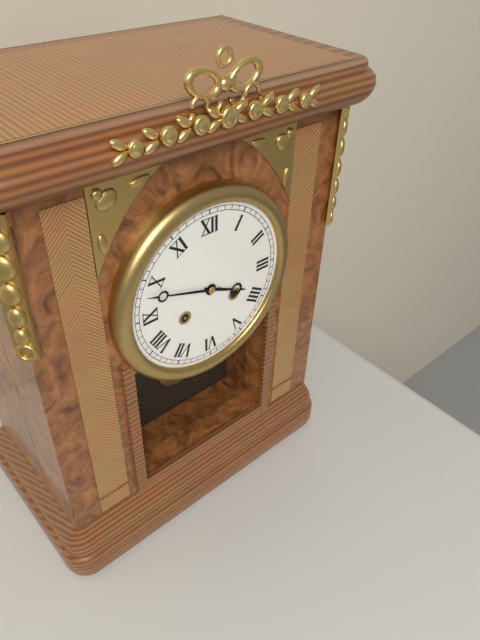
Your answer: **3:48**
